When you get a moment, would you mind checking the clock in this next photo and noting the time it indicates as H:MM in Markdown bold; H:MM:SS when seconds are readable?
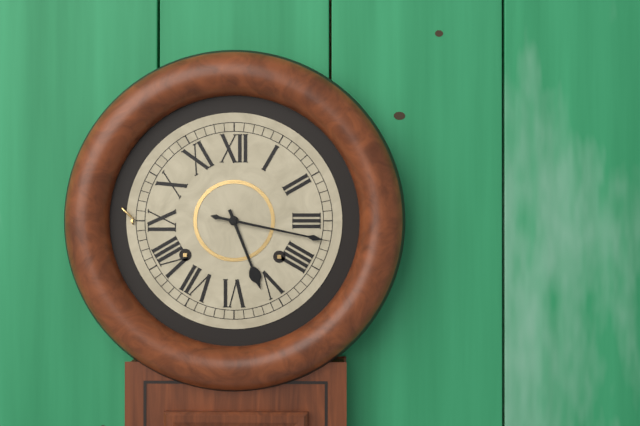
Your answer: **5:17**
